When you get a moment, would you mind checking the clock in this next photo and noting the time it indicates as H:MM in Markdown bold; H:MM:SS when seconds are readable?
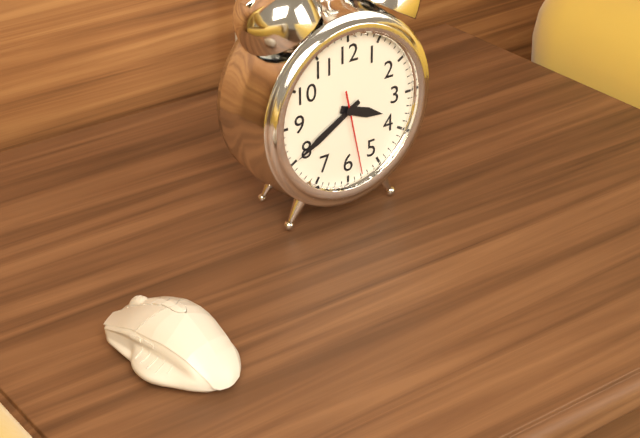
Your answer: **3:40:28**
